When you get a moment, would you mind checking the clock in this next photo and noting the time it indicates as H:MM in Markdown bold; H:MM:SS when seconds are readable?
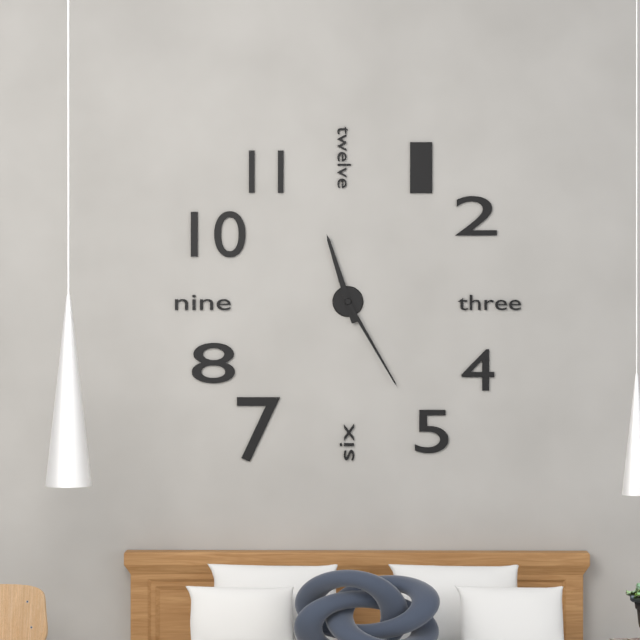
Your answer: **11:25**
